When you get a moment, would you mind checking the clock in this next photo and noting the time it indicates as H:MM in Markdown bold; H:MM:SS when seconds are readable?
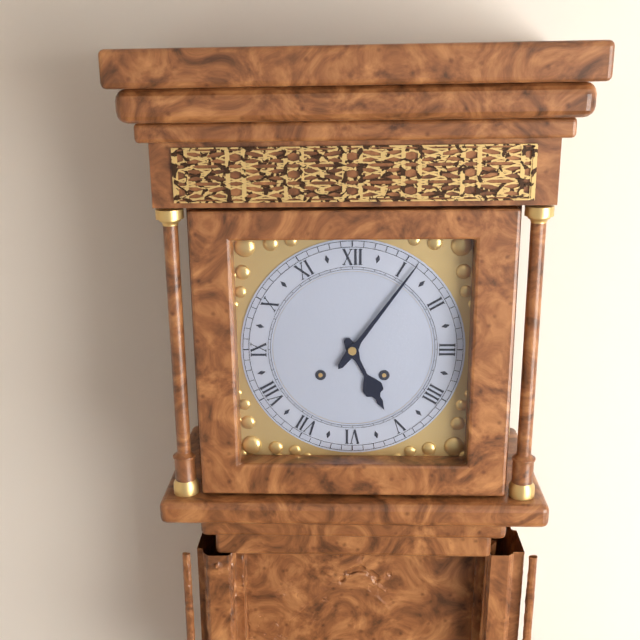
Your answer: **5:06**
